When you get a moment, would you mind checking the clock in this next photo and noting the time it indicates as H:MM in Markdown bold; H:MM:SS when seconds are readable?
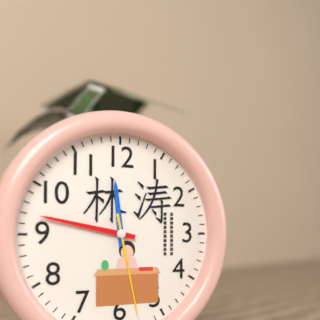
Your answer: **11:47:28**
